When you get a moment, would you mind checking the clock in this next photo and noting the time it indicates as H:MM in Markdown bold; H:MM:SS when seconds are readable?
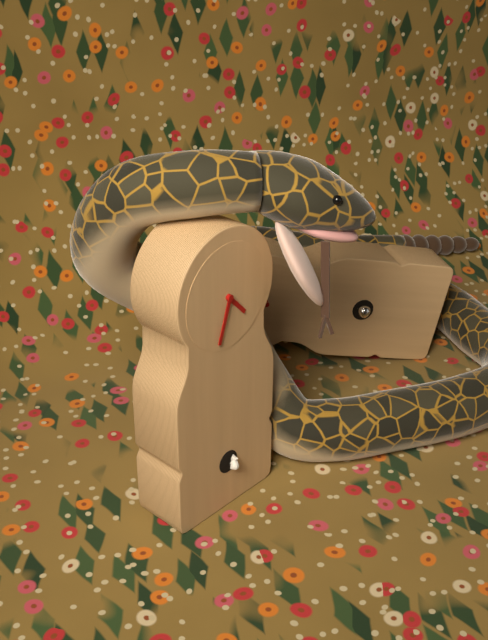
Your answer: **4:33**
